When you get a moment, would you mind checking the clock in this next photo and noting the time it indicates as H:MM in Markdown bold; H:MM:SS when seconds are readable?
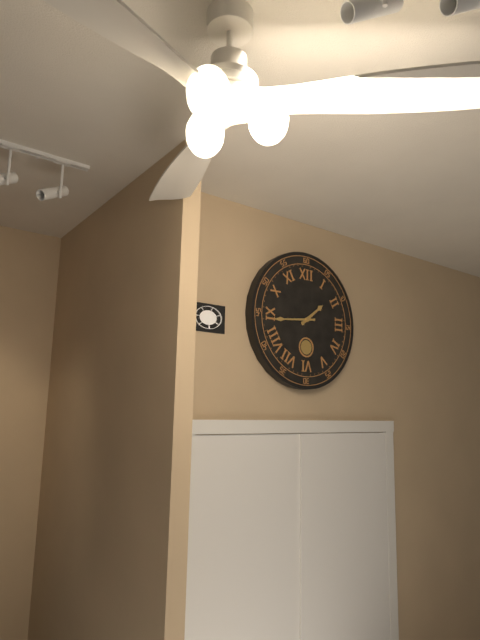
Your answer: **1:44**
